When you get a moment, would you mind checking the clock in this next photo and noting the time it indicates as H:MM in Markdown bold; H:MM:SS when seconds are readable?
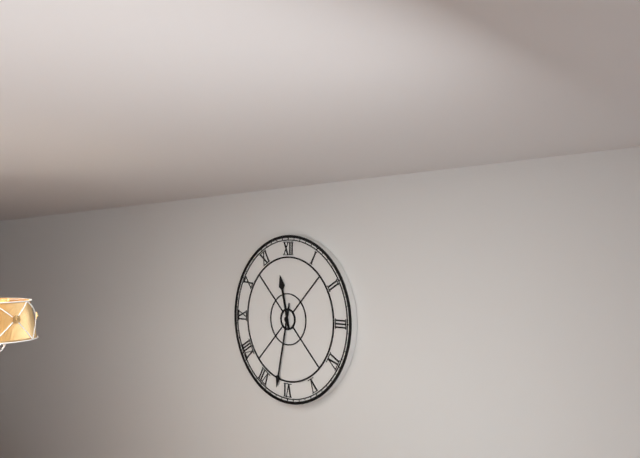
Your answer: **11:32**
